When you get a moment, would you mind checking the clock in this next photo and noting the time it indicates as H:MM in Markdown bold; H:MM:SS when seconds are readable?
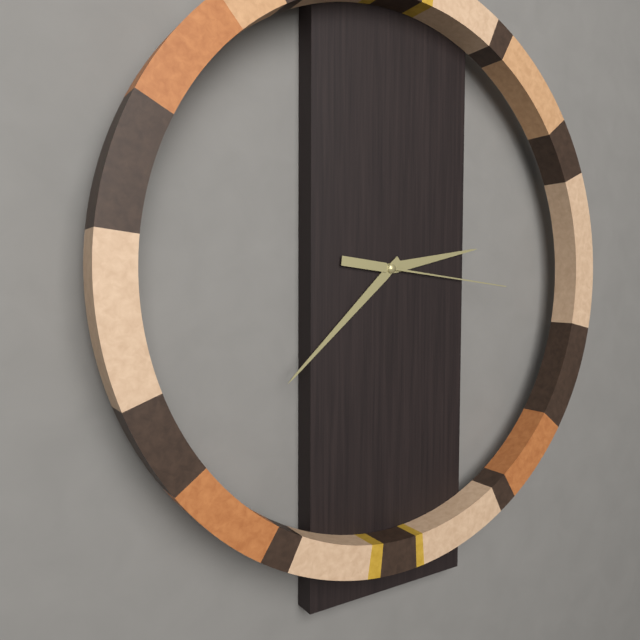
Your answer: **2:38:16**
